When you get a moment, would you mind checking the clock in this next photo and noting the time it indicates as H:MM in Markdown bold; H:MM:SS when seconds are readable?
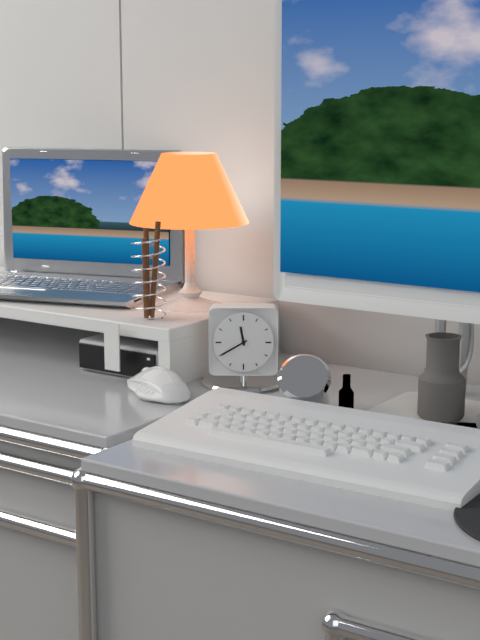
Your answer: **11:40**
